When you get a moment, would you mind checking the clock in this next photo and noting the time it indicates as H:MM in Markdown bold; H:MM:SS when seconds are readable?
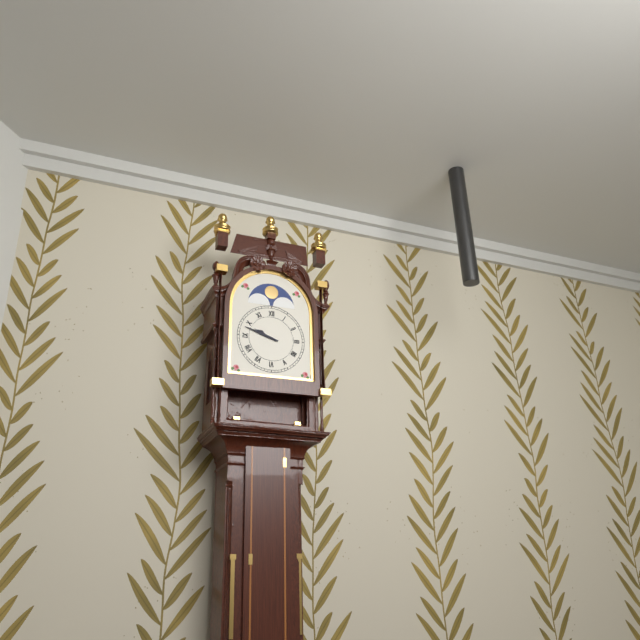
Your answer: **9:48**
